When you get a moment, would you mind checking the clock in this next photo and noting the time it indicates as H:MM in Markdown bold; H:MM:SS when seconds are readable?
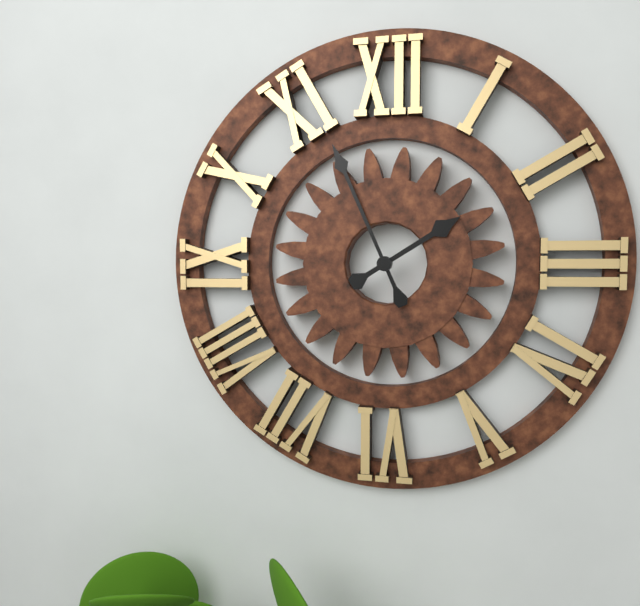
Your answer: **1:56**
